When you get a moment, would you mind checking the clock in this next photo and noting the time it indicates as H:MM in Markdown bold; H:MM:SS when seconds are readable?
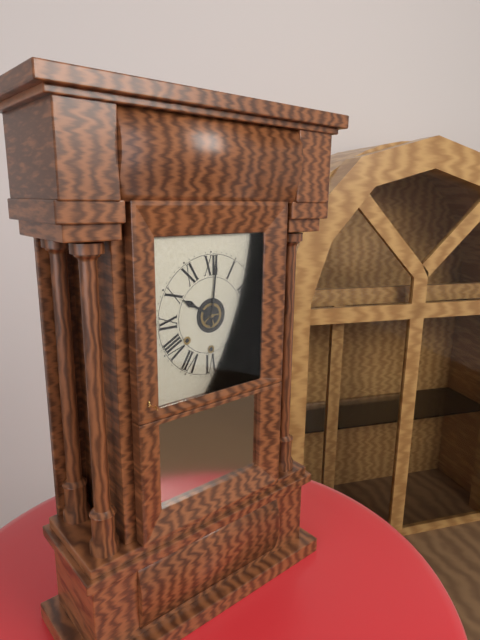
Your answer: **10:01**
